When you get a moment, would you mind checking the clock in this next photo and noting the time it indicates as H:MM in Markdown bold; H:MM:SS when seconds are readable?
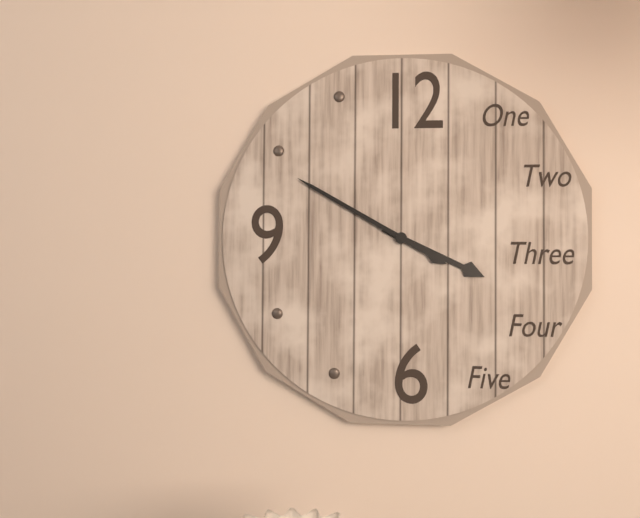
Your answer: **3:50**
